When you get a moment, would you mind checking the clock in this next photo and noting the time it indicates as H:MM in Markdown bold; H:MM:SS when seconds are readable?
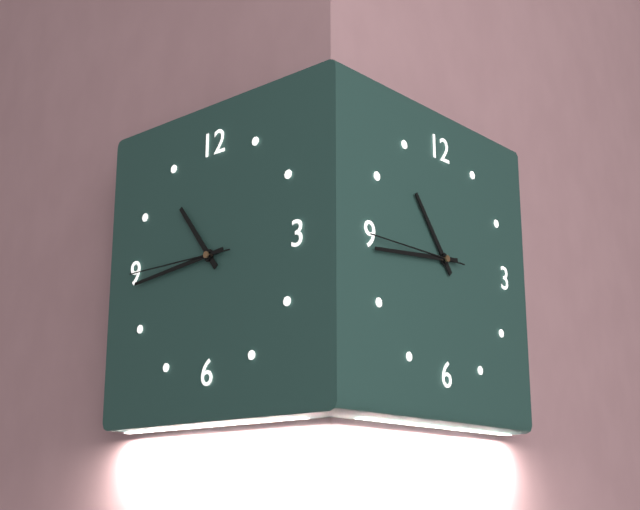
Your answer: **10:44:45**
